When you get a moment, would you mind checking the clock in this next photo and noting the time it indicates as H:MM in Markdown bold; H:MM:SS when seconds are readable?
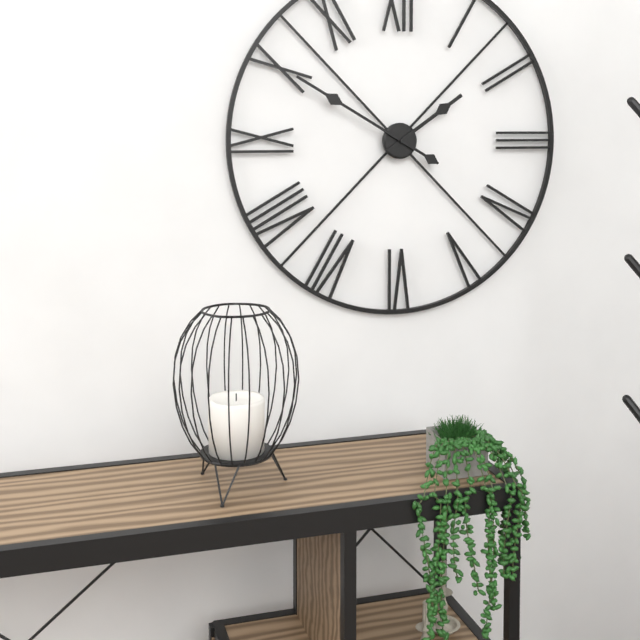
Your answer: **1:50**
